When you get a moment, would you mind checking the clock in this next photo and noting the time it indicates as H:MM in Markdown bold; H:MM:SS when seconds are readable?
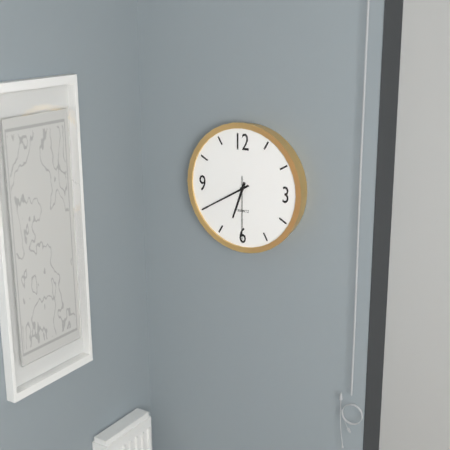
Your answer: **6:40:30**
